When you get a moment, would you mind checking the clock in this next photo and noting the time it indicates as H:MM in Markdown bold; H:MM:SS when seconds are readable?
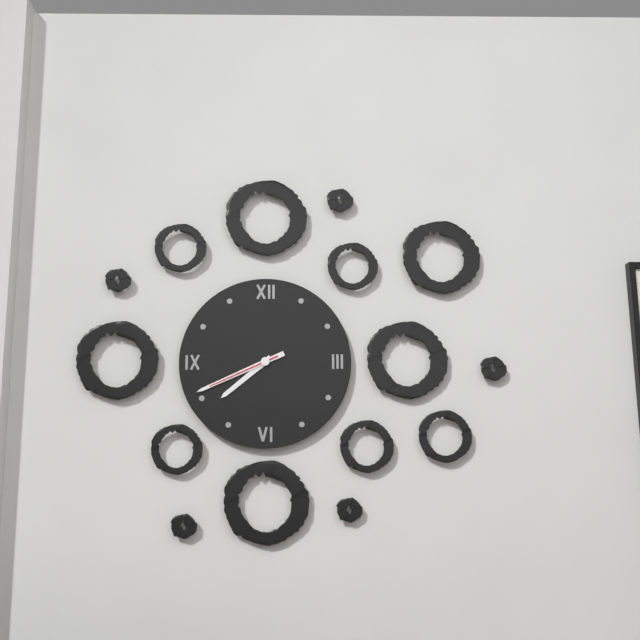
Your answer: **7:41:41**
